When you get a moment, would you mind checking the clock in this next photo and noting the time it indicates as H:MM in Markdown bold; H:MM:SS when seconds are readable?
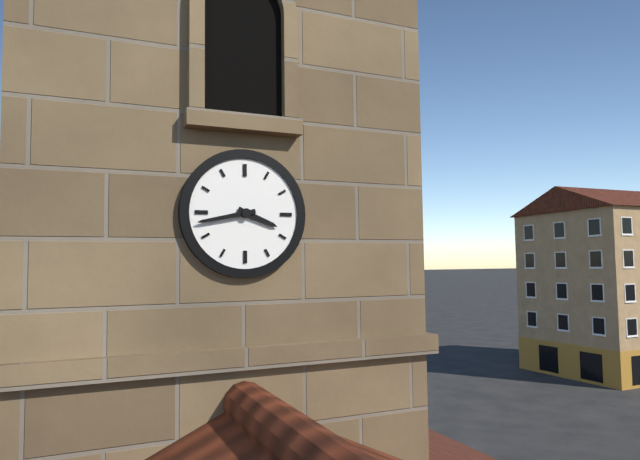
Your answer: **3:43**
